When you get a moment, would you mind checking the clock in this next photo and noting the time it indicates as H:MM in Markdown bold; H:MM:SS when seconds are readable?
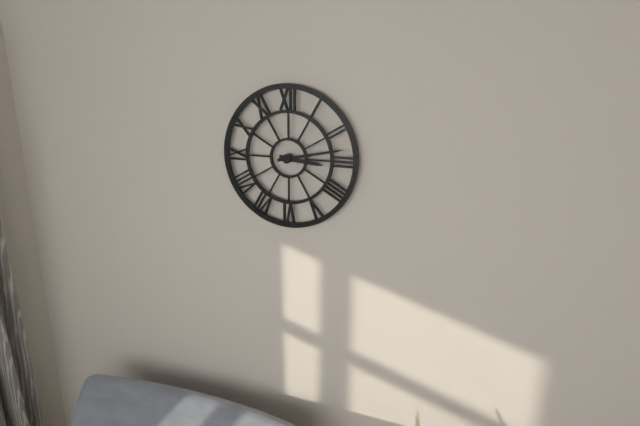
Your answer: **3:13**
